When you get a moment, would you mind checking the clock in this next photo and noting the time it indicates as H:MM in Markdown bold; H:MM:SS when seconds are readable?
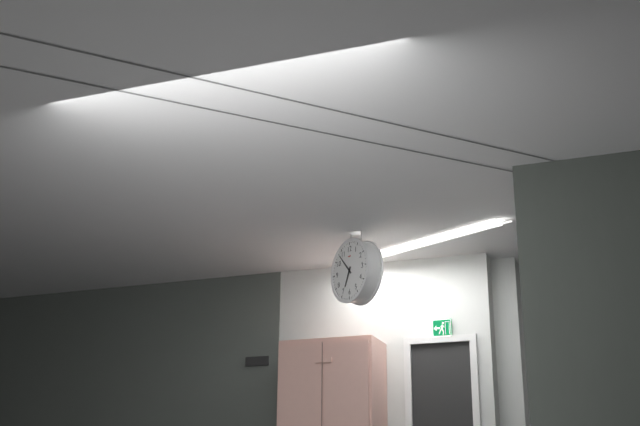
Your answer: **6:53**
